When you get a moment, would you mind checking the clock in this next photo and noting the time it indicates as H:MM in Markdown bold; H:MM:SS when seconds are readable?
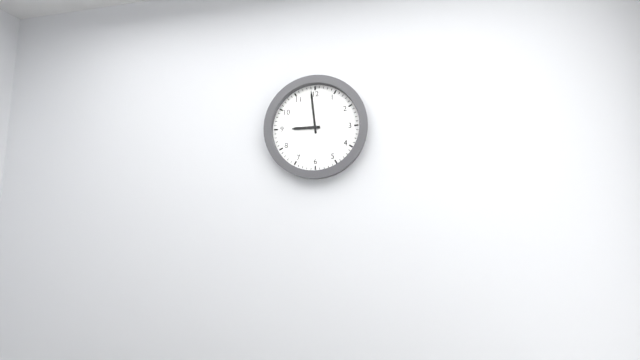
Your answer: **8:59**
